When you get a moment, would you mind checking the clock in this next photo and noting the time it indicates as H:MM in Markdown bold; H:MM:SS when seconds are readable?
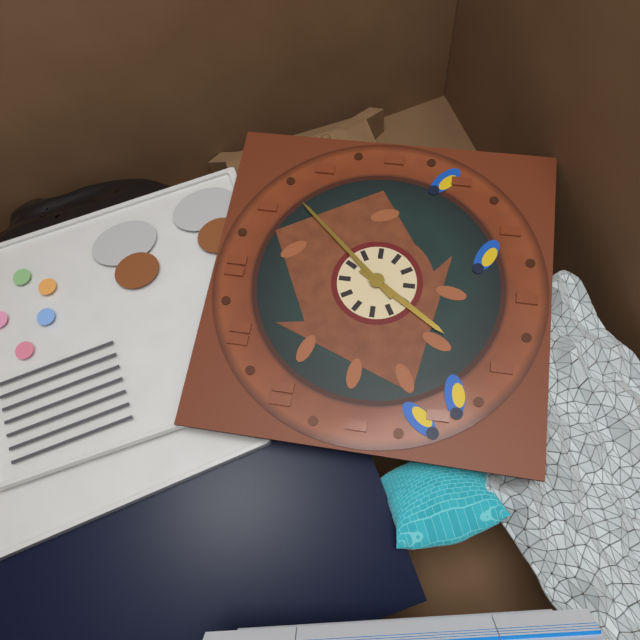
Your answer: **7:07**
